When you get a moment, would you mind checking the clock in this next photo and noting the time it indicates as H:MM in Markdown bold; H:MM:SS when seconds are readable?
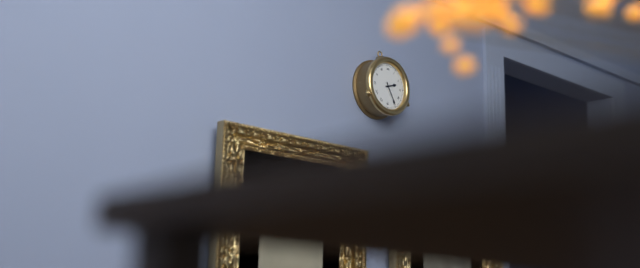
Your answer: **2:25**
